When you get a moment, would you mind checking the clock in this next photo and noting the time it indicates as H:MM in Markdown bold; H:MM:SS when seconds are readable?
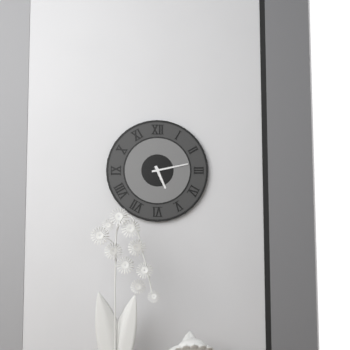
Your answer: **5:13**
